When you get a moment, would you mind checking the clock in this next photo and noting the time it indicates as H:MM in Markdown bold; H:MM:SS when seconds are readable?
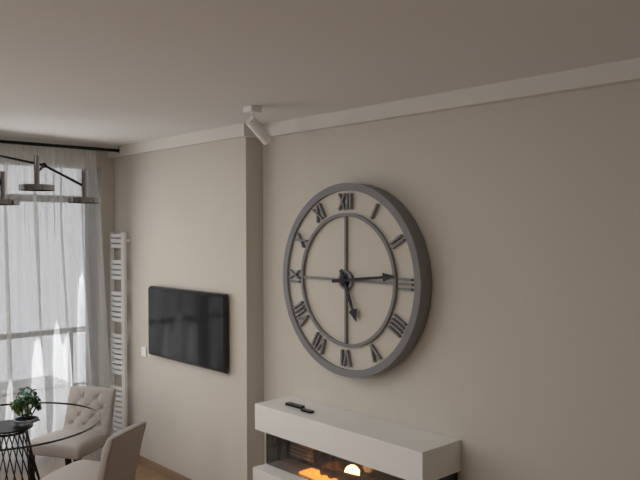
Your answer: **5:14**
